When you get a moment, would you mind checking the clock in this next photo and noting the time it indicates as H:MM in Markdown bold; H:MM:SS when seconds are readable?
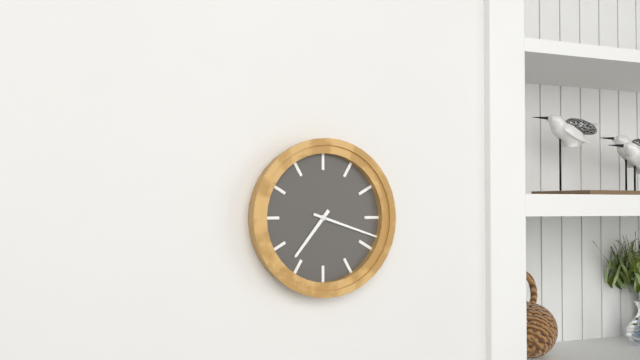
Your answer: **7:18**
